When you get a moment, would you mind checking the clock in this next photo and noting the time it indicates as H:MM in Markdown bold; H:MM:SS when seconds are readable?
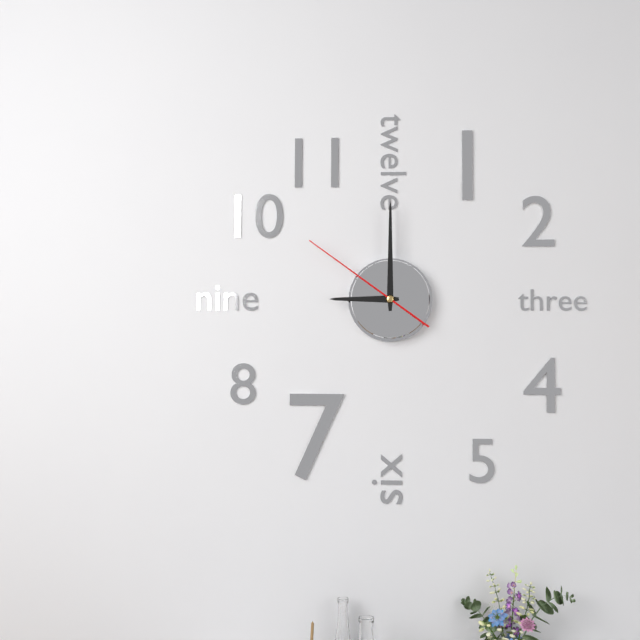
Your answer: **9:00:51**
